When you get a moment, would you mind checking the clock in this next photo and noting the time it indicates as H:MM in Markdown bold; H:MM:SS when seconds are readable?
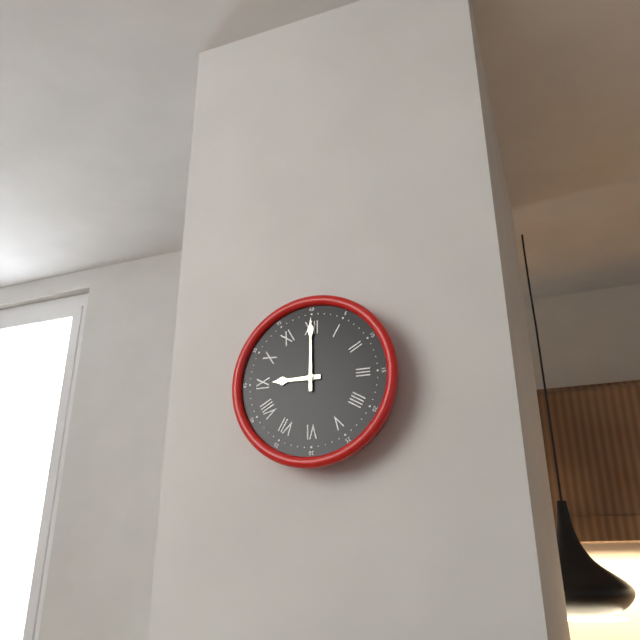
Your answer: **9:00**
